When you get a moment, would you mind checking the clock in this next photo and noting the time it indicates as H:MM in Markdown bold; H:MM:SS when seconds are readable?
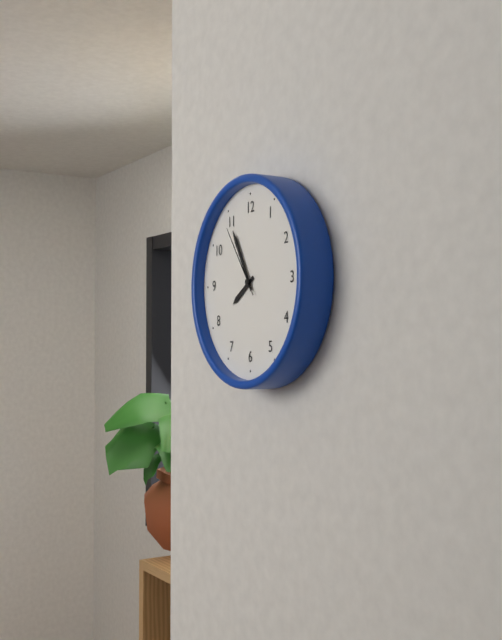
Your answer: **7:55:54**
